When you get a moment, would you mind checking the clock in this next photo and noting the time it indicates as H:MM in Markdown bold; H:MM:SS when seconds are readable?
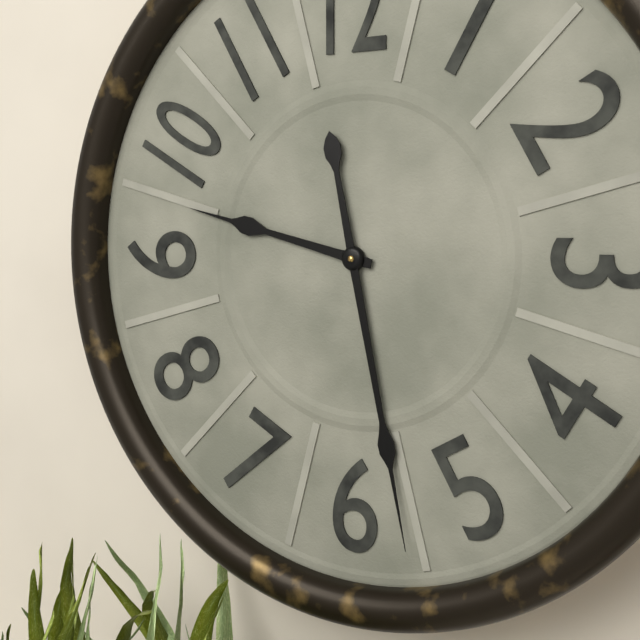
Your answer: **9:28**
